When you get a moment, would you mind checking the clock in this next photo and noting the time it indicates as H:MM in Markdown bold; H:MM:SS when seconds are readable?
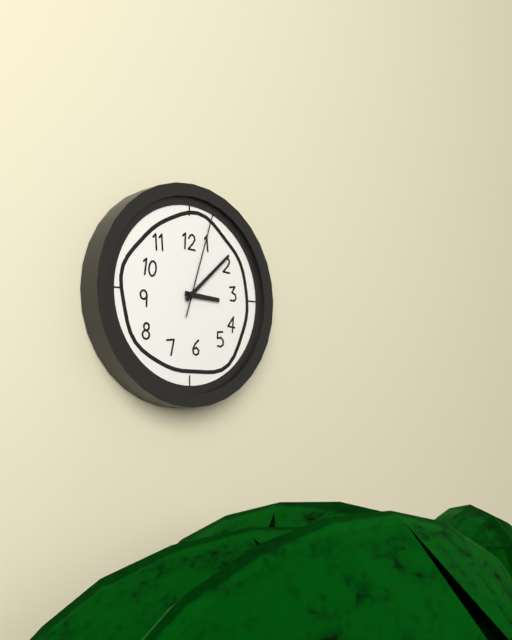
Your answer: **3:08:03**
